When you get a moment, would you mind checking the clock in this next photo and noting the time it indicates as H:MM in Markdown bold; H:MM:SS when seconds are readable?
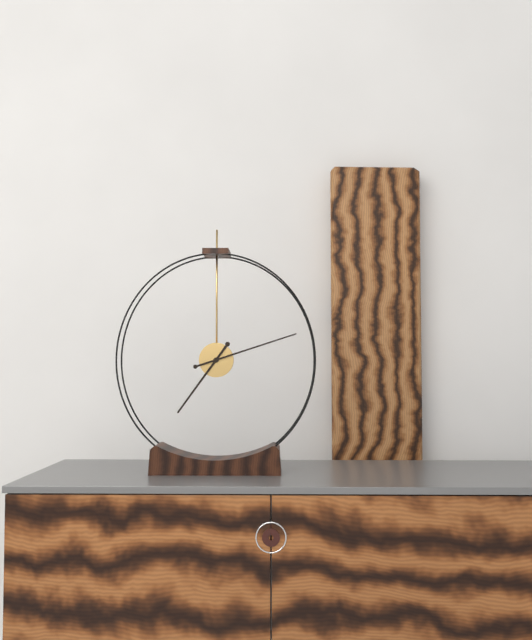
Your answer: **7:12**
